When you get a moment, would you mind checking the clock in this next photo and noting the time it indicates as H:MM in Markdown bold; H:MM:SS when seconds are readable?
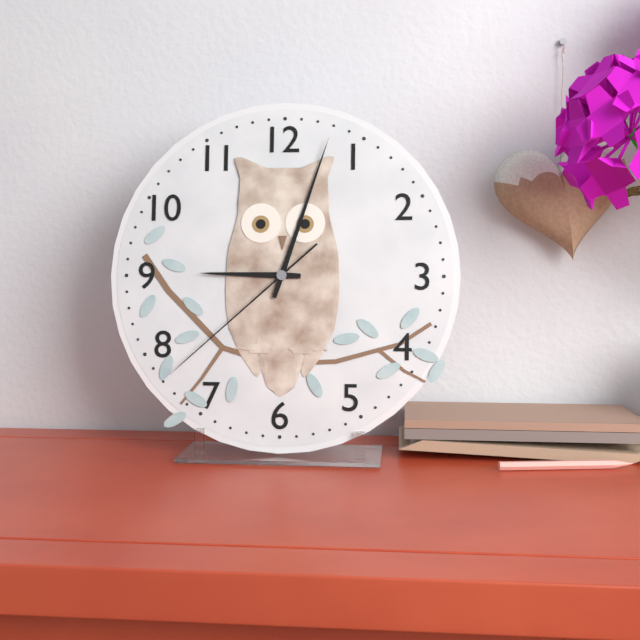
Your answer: **9:03:38**
